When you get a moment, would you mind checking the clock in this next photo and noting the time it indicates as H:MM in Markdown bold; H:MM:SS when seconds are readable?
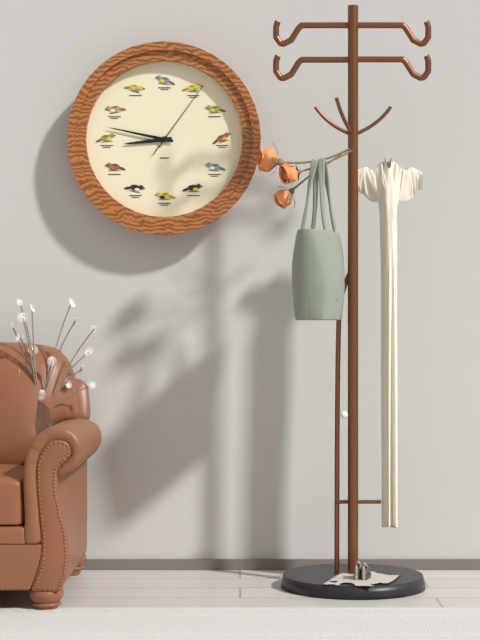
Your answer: **8:47:06**
